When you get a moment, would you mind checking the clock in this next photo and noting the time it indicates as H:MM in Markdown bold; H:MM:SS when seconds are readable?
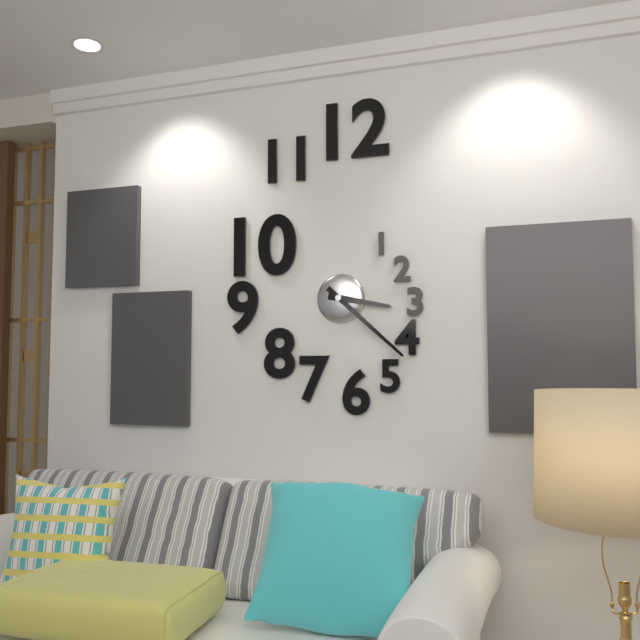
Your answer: **3:22**
